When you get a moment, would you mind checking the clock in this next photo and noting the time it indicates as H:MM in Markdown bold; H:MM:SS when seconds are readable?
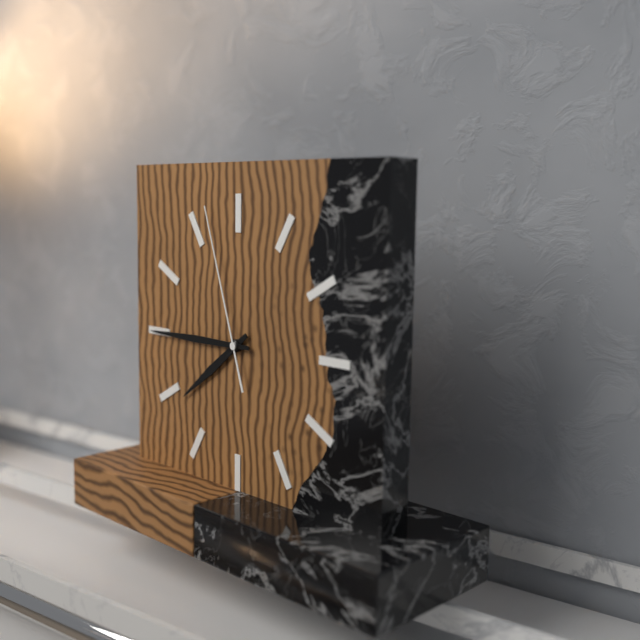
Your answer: **7:45:57**
